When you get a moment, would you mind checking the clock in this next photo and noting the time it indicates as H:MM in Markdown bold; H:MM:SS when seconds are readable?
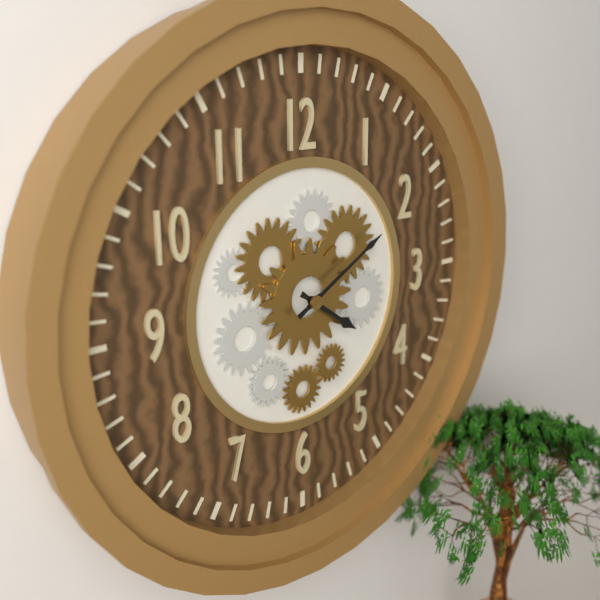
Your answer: **4:10**
